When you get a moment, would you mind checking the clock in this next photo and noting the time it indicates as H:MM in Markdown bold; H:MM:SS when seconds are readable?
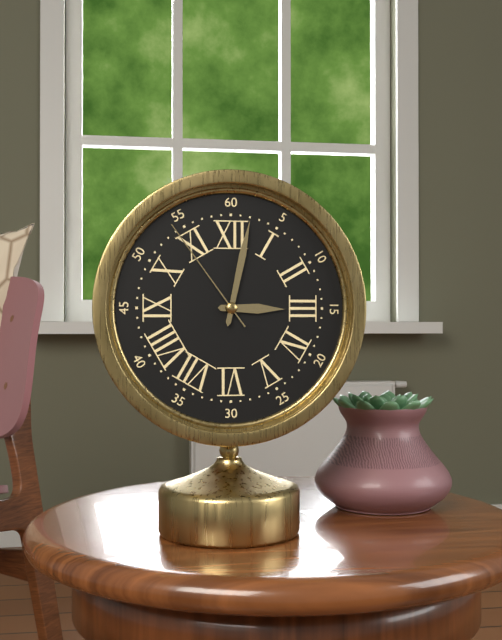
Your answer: **3:02:54**
